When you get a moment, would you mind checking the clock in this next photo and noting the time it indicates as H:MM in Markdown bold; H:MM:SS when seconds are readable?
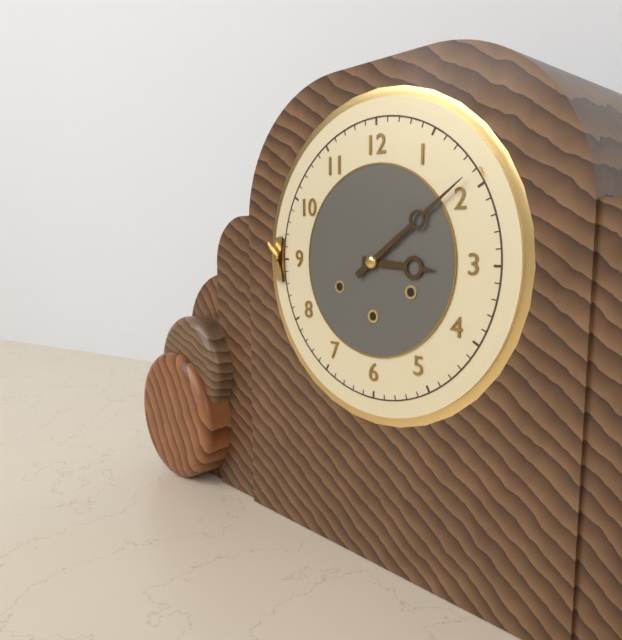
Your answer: **3:09**
